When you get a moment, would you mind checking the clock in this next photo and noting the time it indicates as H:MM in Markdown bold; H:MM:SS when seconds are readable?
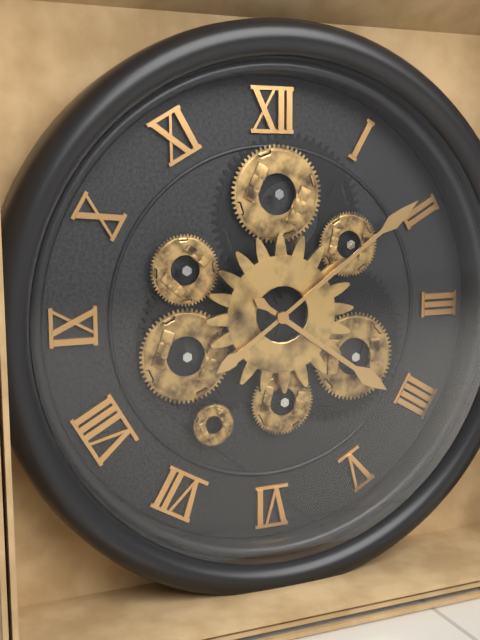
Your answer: **4:09**
